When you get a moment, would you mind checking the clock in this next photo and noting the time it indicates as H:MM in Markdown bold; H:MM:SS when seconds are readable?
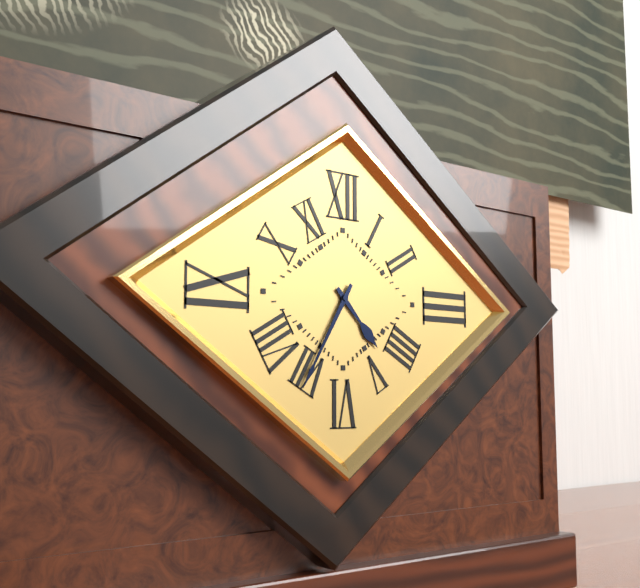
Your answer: **4:35**
